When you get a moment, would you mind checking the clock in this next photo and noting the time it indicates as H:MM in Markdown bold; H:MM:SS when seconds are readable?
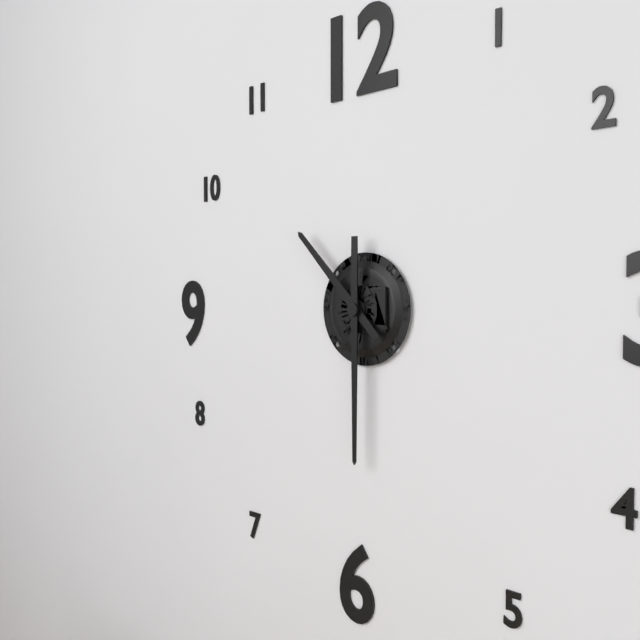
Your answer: **10:30**
